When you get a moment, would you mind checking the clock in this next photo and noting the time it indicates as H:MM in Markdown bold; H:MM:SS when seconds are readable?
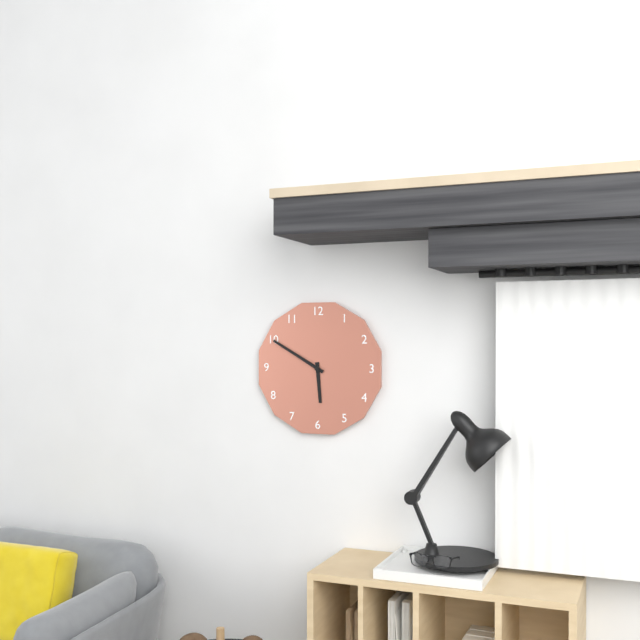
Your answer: **5:50**
